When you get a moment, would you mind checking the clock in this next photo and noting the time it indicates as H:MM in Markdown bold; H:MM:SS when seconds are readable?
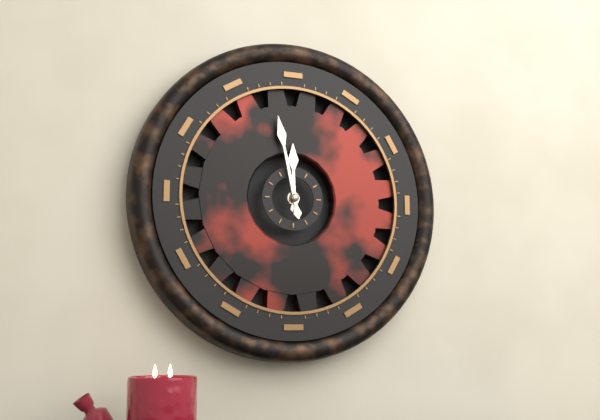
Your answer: **11:58**
